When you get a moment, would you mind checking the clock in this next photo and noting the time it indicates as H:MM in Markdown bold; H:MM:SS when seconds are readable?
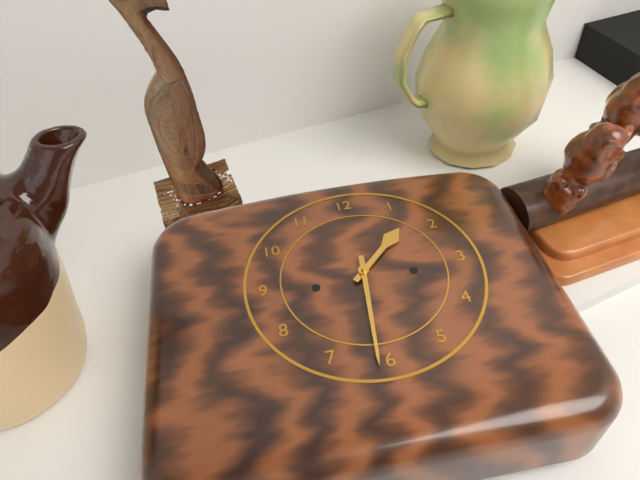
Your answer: **1:31**
